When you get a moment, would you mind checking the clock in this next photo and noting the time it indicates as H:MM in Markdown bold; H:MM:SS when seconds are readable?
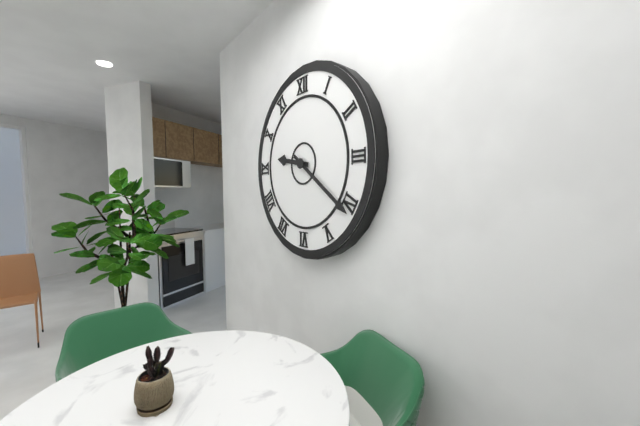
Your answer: **9:21**
